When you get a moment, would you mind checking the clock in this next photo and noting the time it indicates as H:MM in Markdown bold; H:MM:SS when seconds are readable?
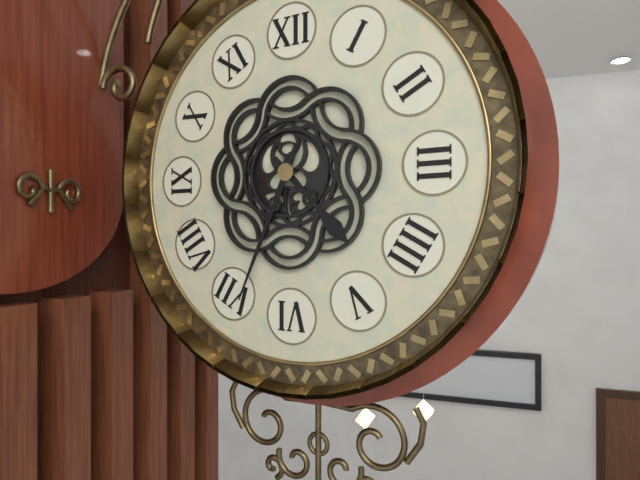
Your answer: **4:34**
